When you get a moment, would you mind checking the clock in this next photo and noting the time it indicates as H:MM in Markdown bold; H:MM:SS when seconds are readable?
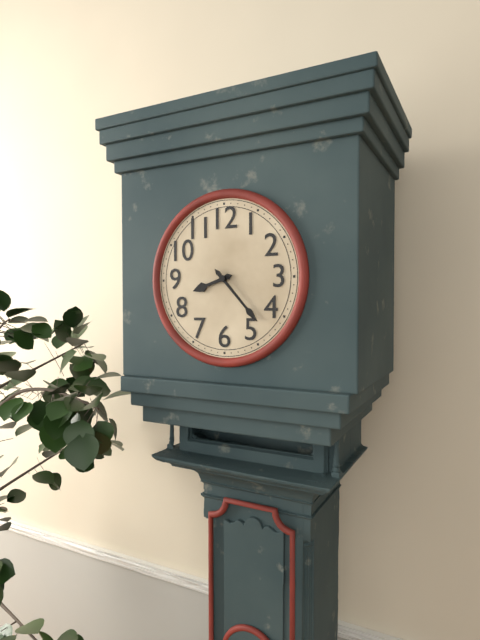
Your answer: **8:23**
